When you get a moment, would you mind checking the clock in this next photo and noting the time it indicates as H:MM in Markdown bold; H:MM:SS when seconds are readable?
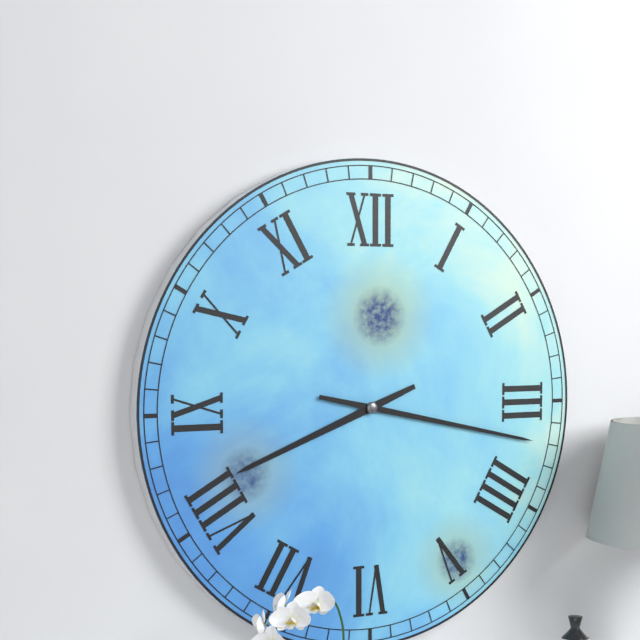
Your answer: **8:17**
